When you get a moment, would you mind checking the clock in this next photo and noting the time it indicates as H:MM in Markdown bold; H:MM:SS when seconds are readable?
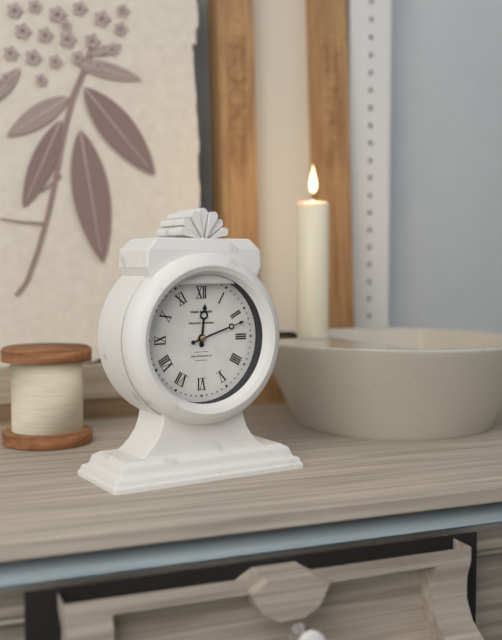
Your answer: **12:12**
